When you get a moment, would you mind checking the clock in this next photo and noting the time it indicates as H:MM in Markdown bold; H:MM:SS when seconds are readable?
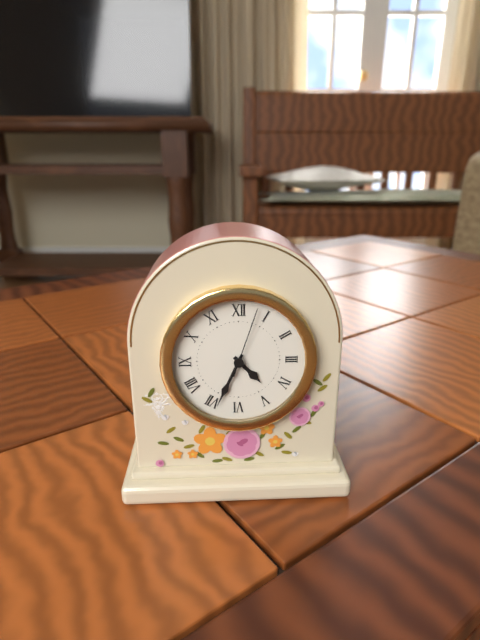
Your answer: **4:34:03**
